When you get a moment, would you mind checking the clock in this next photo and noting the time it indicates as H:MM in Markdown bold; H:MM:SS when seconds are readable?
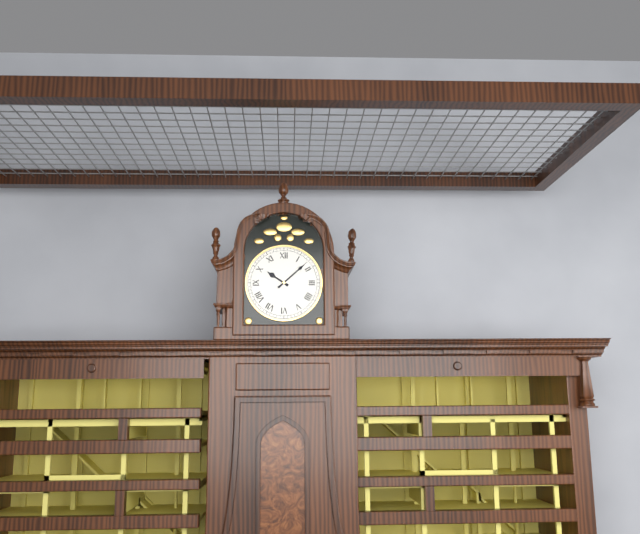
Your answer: **10:08**
